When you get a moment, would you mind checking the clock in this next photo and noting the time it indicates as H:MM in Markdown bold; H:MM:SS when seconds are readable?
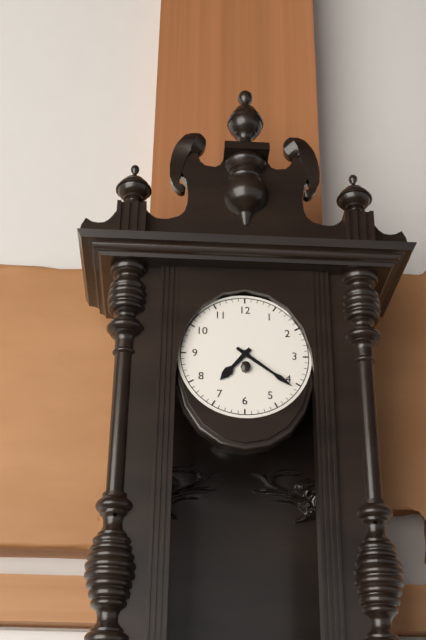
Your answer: **7:21**
